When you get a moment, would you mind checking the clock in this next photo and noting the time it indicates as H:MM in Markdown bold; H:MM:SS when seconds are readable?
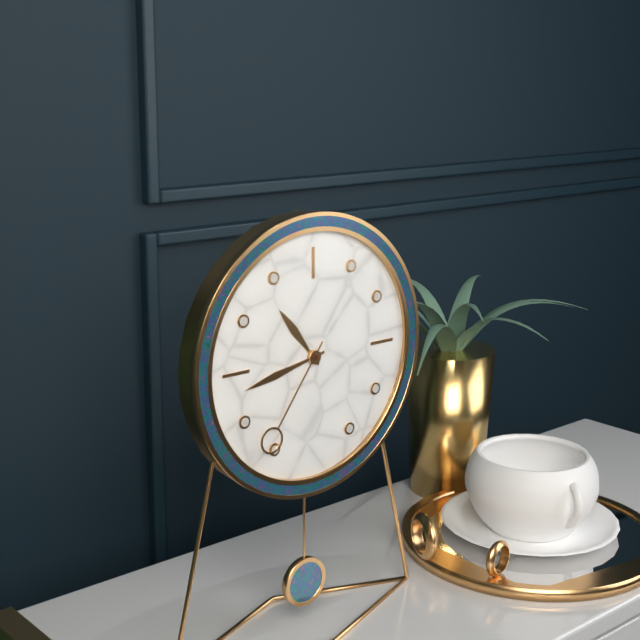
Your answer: **10:43:36**
